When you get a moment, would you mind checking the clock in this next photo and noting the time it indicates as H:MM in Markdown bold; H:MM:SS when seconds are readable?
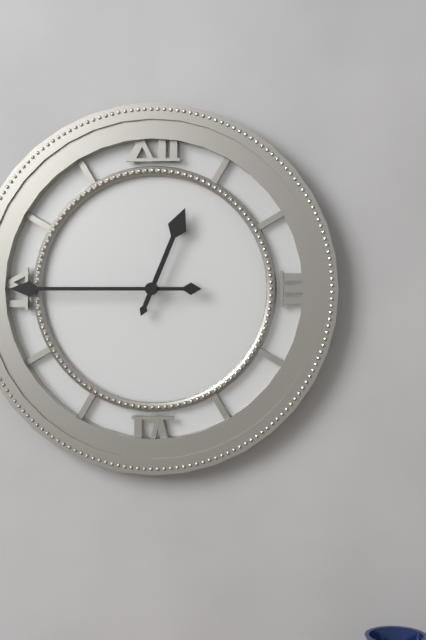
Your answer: **12:45**
